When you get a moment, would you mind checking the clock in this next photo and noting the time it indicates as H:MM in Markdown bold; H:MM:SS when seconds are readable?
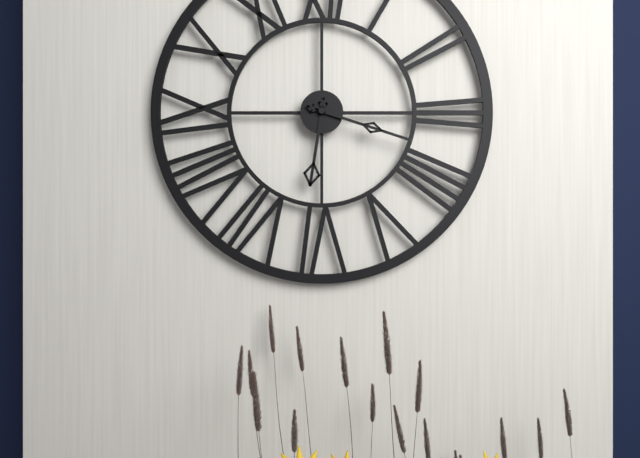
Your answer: **6:18**
